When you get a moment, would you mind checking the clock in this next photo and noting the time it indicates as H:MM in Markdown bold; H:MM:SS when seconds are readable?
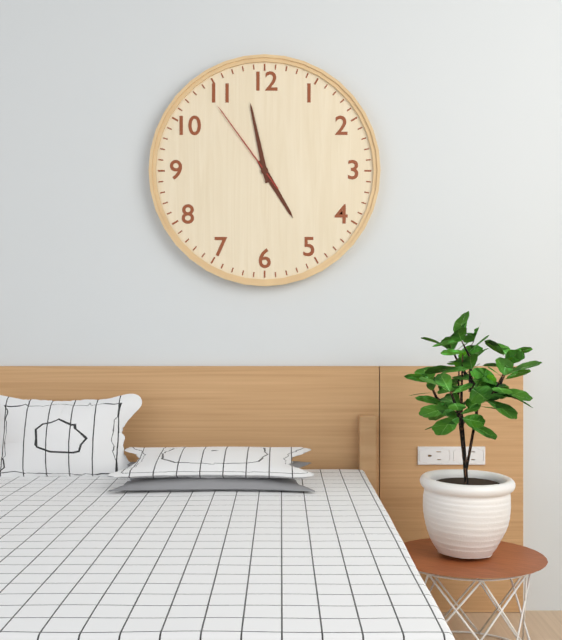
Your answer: **4:58:54**
